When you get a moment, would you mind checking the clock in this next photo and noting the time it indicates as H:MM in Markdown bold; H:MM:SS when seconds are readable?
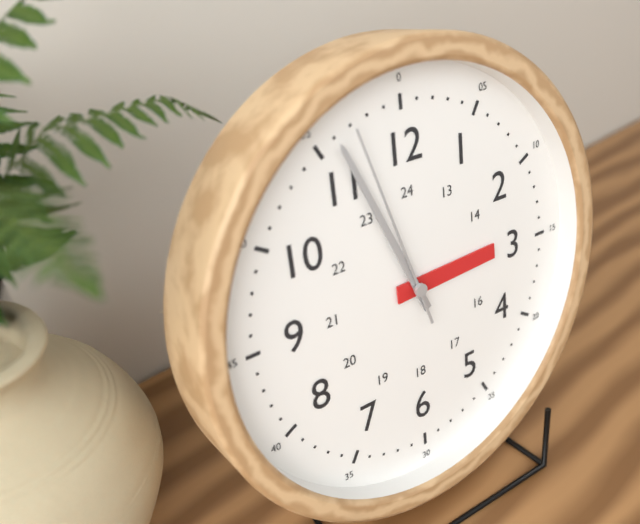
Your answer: **2:56:57**
